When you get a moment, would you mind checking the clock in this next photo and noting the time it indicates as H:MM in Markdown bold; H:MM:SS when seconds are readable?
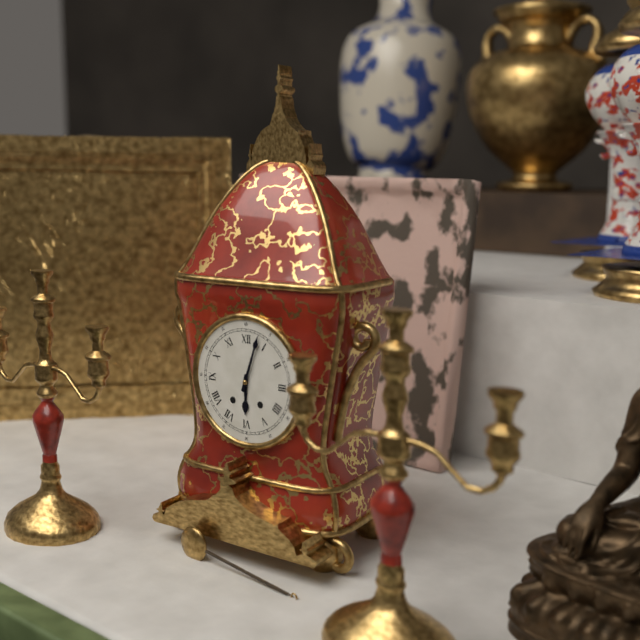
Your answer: **6:03**
